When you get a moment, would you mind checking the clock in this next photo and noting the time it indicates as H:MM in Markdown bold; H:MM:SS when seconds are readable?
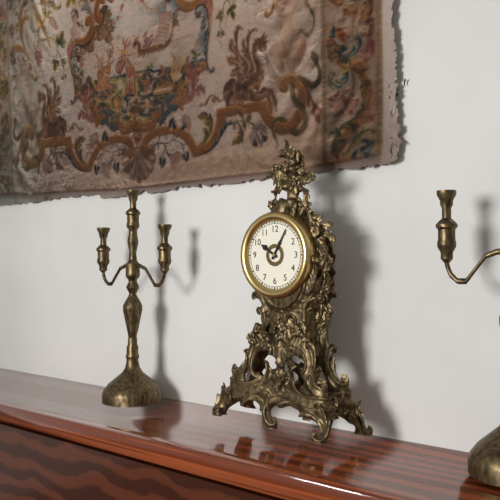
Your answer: **10:05**
